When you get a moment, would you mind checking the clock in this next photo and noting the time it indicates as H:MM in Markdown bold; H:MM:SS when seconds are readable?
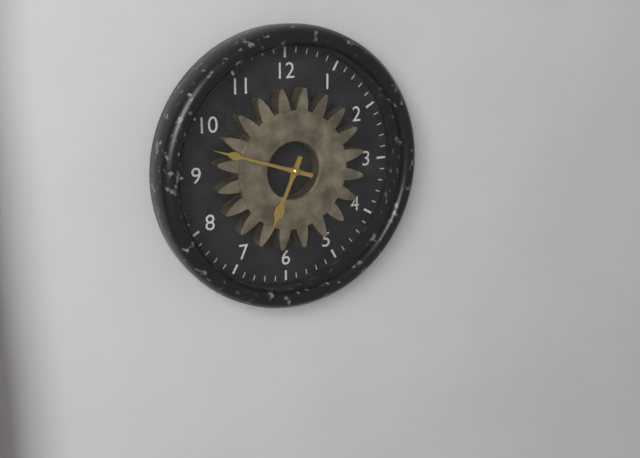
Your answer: **6:48**
